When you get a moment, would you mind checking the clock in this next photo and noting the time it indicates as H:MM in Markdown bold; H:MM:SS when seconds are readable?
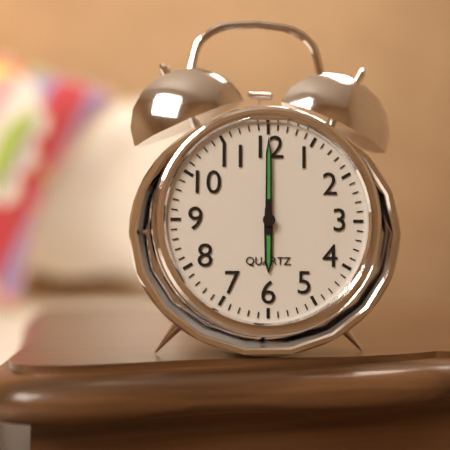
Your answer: **6:00**
